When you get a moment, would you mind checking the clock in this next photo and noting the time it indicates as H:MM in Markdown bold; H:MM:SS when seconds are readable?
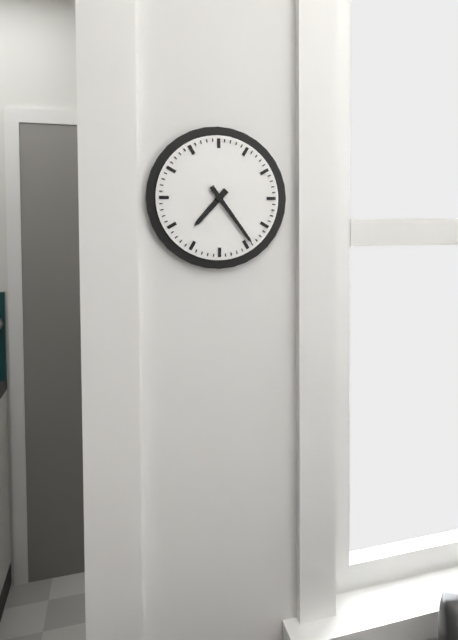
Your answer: **7:24**
